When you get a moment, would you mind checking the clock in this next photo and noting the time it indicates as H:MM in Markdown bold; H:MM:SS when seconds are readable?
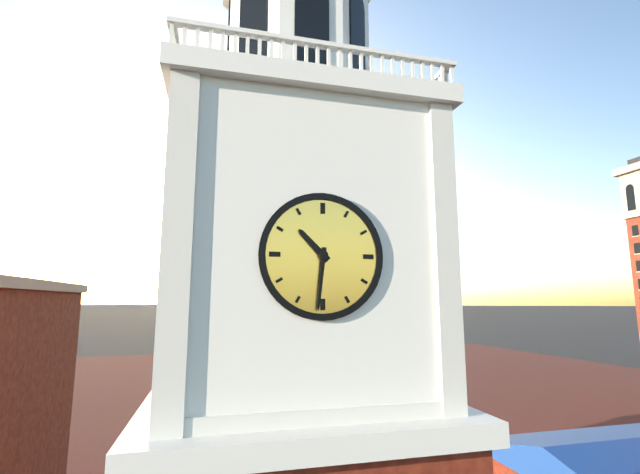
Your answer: **10:31**
